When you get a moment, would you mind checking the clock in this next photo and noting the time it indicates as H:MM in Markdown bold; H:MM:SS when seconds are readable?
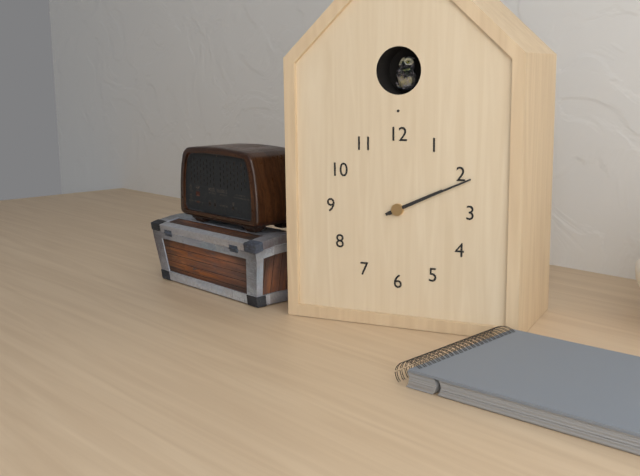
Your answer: **2:11**
